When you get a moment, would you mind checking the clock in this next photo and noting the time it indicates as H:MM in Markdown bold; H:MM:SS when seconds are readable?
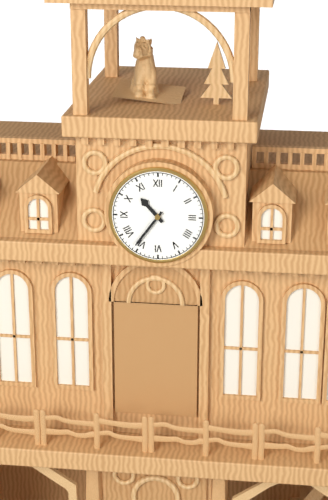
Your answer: **10:36**
